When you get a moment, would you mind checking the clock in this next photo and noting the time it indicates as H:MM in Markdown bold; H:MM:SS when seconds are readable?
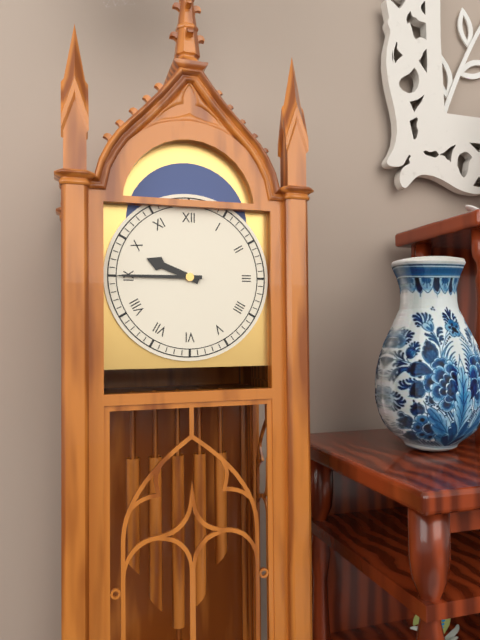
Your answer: **9:45**
